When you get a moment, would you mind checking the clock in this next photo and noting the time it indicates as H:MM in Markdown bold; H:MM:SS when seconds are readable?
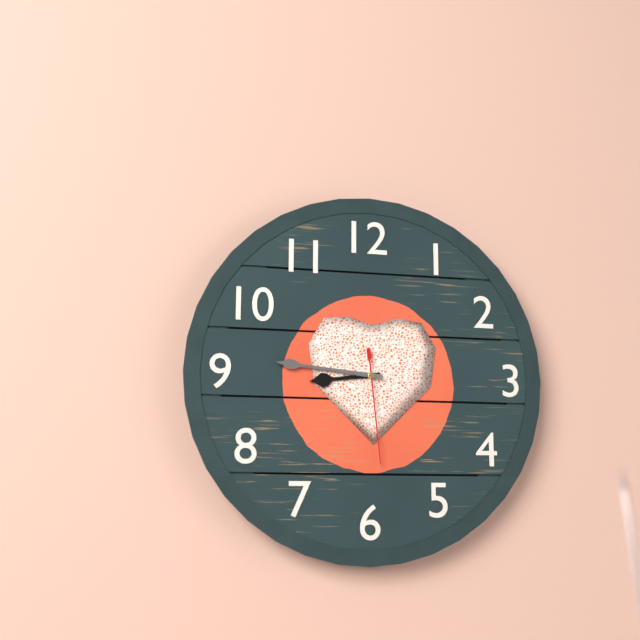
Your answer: **8:46:29**
